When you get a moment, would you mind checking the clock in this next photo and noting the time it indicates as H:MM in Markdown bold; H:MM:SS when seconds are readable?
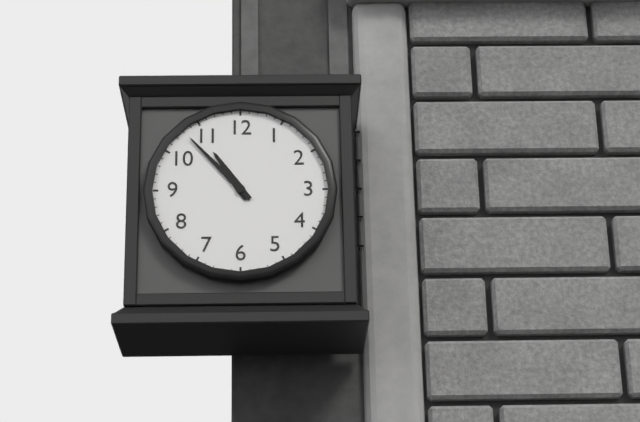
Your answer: **10:53**
